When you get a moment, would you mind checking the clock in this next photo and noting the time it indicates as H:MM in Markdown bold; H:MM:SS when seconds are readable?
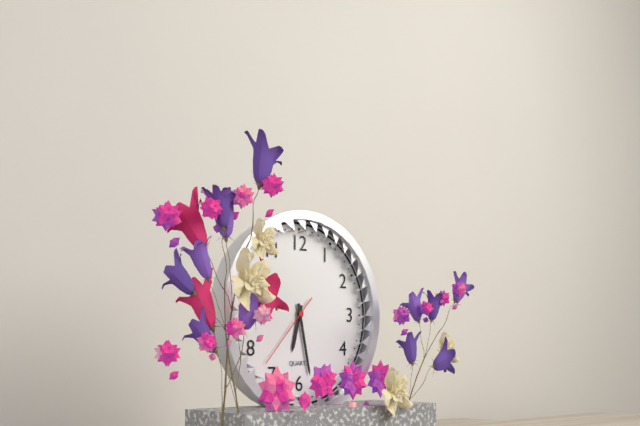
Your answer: **6:28:37**
